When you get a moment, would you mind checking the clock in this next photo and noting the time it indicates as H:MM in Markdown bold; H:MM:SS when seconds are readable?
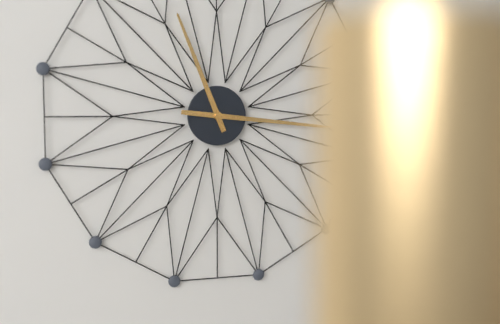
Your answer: **11:16**
